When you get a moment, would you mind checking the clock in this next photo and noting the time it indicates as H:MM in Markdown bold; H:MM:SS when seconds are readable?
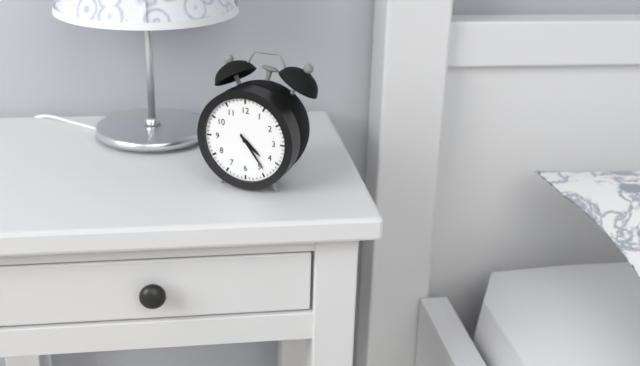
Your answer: **4:24**
